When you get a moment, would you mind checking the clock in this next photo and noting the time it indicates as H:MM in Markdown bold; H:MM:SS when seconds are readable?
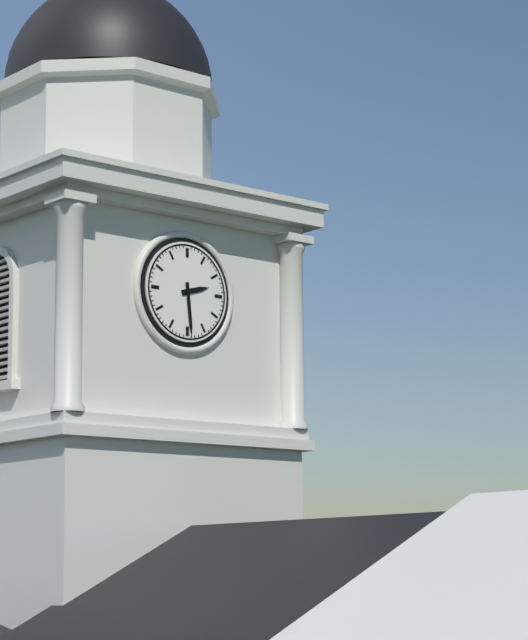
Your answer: **2:29**
